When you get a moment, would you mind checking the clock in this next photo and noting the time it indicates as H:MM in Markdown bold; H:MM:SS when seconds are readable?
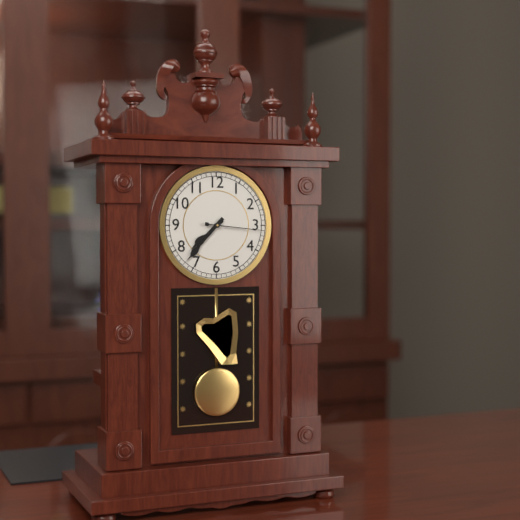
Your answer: **7:37:16**
